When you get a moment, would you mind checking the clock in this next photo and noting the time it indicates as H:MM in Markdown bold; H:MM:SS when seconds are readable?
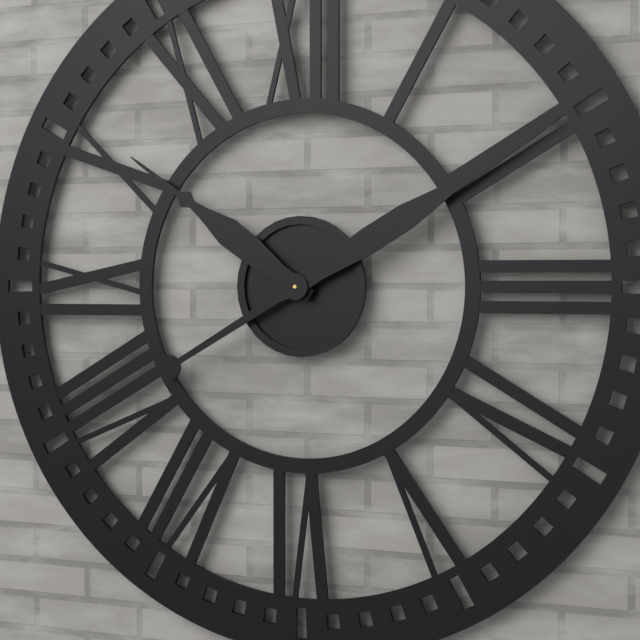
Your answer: **10:10**
